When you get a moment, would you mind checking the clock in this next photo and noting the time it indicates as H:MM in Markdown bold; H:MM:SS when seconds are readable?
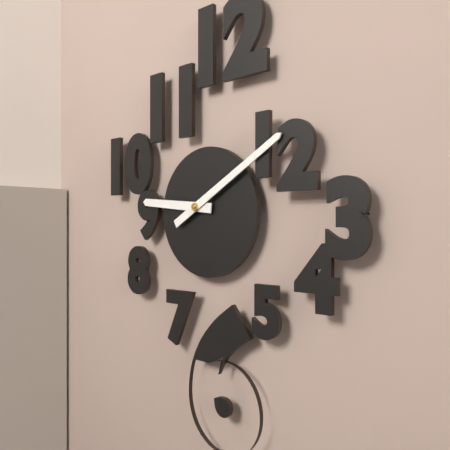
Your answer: **9:10**
